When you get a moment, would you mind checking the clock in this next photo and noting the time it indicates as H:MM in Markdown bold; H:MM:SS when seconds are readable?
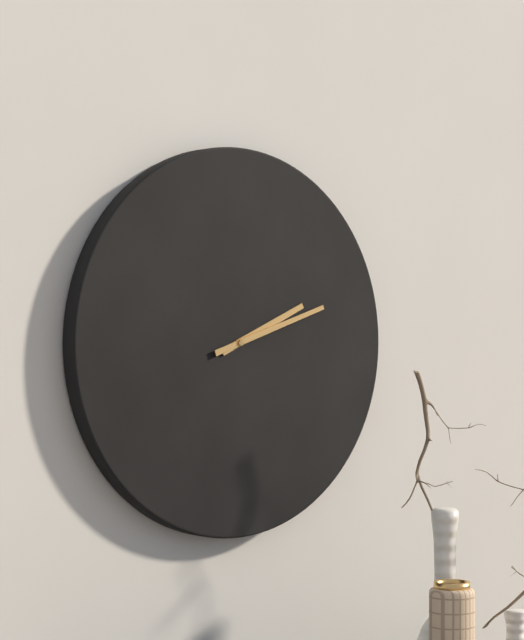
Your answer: **2:12**
